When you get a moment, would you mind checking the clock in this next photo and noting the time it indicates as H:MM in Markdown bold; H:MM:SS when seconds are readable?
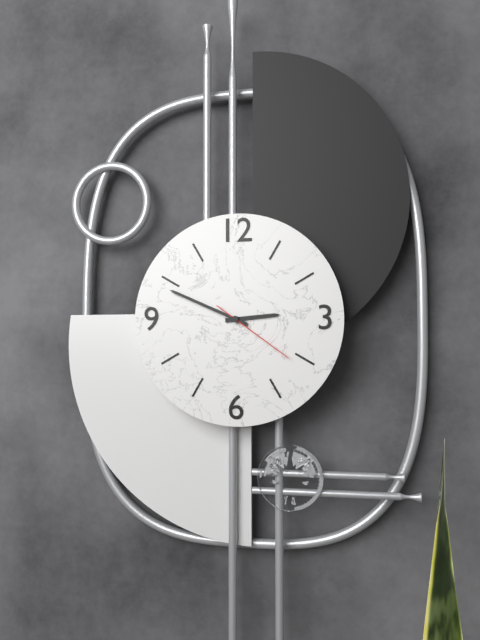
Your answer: **2:49:21**
